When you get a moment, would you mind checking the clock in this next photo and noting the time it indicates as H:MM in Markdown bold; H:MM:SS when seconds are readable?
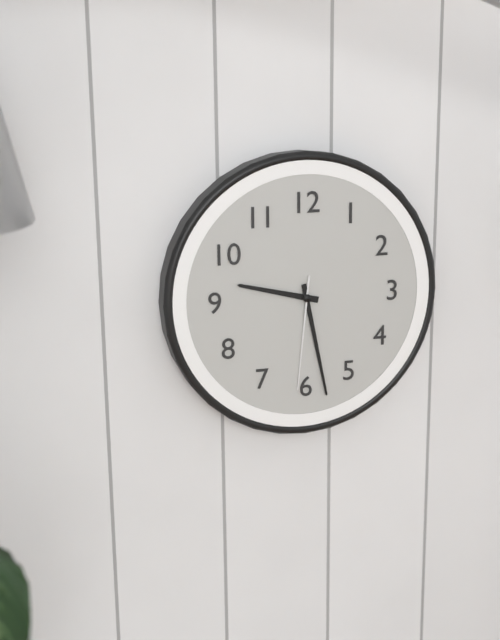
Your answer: **9:28:31**
